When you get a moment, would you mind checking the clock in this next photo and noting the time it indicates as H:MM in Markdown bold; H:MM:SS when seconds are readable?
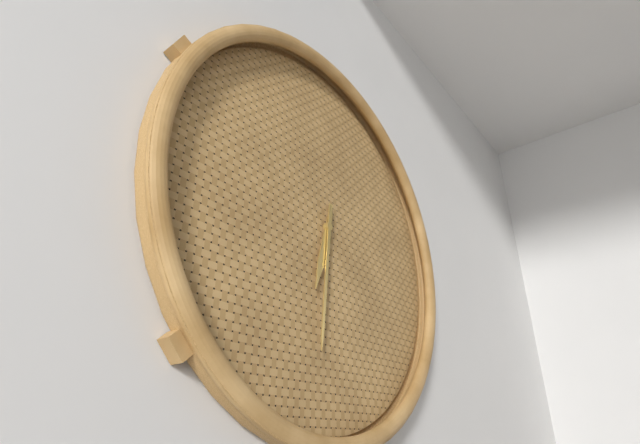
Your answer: **6:31**
